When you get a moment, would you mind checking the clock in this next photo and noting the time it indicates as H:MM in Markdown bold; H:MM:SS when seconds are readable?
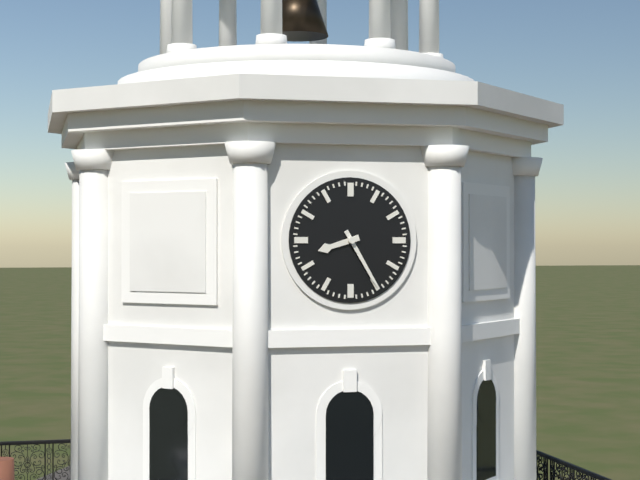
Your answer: **8:25**
